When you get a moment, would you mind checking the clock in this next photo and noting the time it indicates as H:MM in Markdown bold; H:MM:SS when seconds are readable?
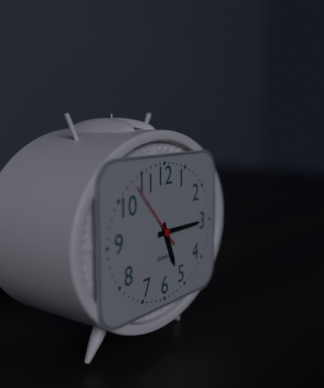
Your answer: **5:15:53**
